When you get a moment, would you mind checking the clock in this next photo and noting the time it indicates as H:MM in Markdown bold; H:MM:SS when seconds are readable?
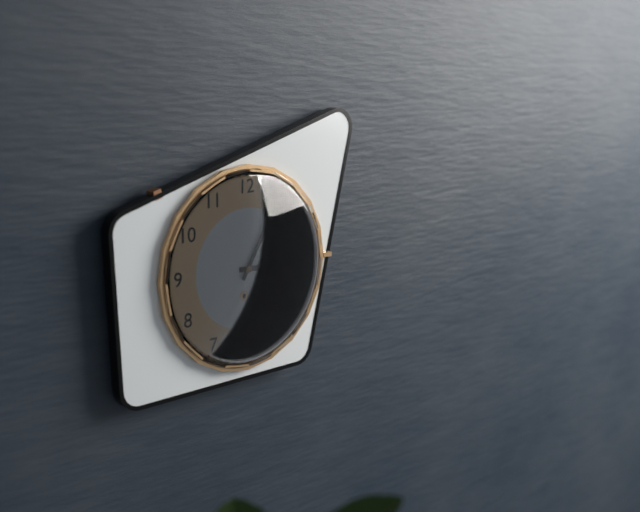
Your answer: **3:05**
